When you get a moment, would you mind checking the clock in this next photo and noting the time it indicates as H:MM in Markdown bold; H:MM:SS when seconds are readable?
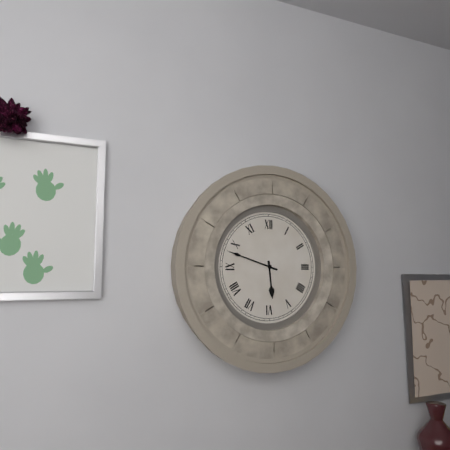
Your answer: **5:48**
